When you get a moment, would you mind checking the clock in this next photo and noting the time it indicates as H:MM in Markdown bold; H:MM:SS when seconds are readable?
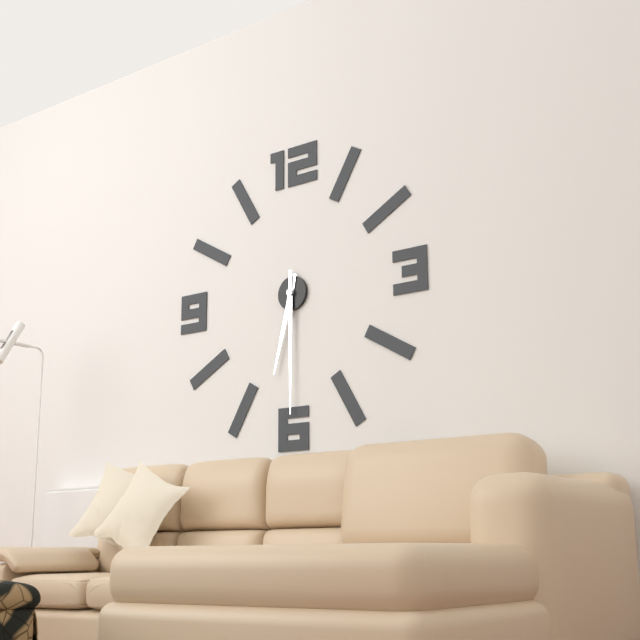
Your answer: **6:30**
